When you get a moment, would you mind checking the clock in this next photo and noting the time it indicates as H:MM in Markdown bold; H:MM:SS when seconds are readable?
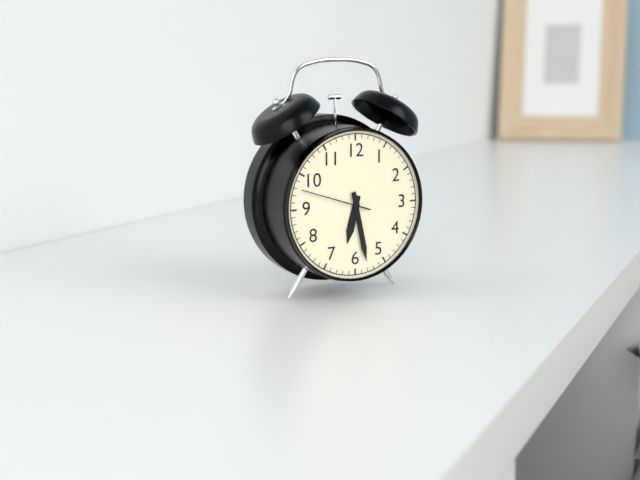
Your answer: **6:28:48**
